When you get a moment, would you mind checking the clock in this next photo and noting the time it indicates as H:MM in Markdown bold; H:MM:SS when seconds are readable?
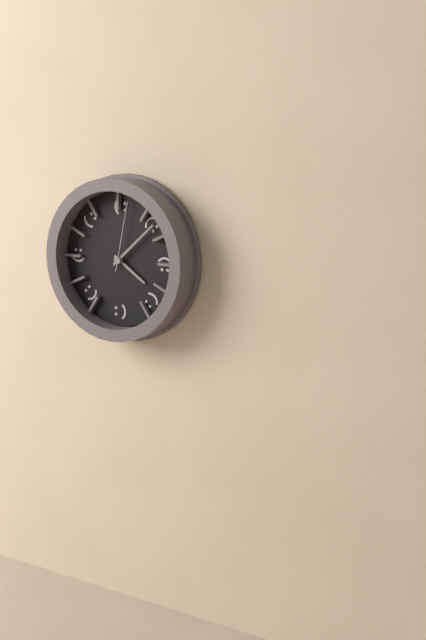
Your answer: **4:08:02**
